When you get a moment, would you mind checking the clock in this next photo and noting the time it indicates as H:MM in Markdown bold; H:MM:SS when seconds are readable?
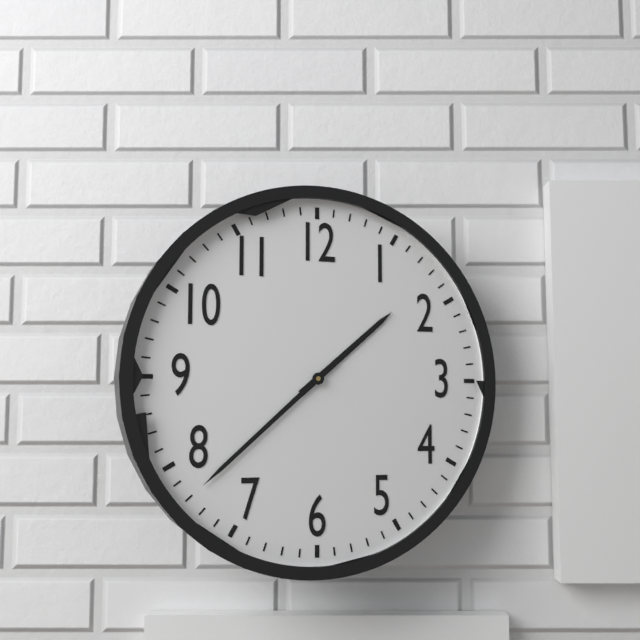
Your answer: **1:38**
